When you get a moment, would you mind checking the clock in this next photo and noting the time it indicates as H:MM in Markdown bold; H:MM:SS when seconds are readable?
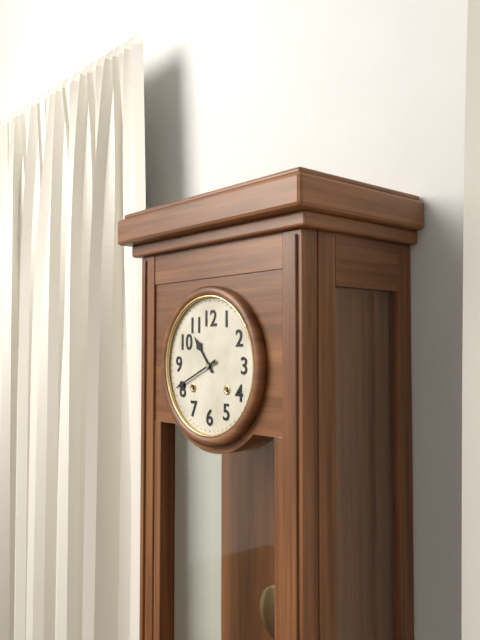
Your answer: **10:41**
